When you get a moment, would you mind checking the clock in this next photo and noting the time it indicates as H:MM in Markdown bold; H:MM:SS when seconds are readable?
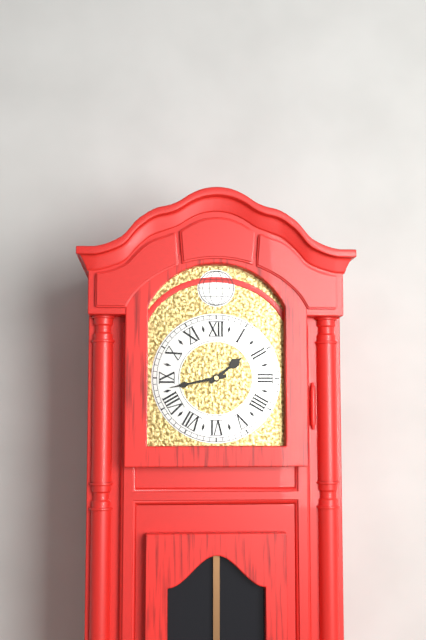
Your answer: **1:43**
